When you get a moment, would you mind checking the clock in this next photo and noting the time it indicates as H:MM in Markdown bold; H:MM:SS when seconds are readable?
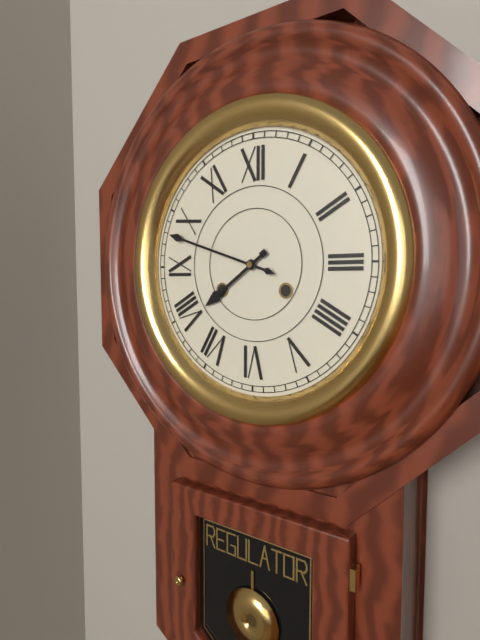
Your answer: **7:48**
